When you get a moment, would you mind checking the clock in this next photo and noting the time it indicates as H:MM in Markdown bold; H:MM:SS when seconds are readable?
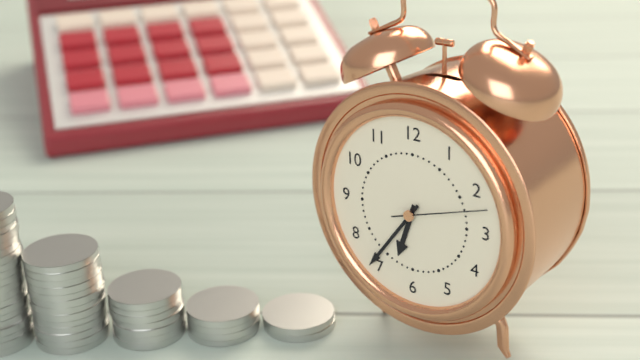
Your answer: **6:36:12**
